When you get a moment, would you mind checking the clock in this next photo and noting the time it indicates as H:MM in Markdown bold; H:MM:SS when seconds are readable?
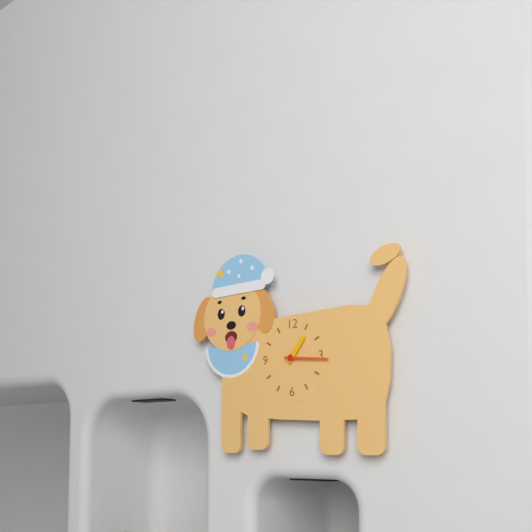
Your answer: **1:16**
